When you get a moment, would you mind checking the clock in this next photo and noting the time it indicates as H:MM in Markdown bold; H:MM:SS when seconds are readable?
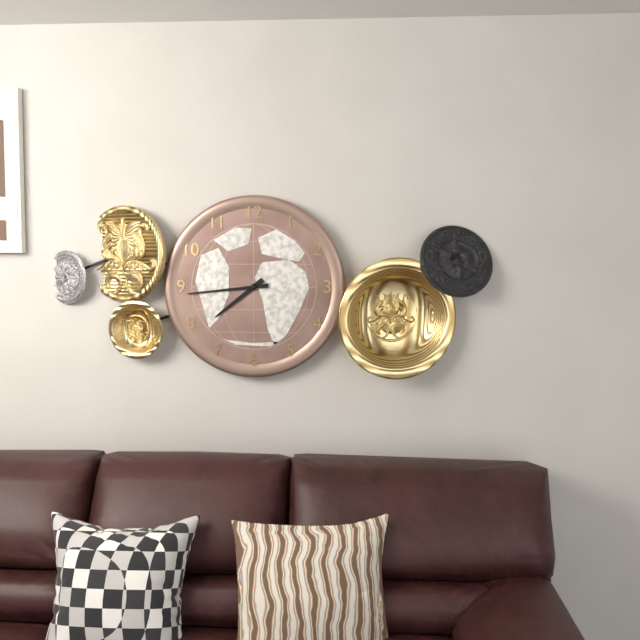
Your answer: **7:44**
